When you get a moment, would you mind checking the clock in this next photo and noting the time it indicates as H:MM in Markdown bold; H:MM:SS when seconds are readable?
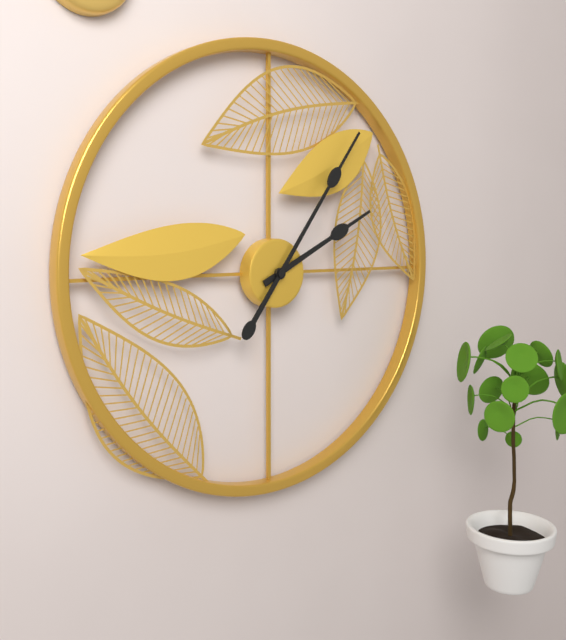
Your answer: **2:06**
